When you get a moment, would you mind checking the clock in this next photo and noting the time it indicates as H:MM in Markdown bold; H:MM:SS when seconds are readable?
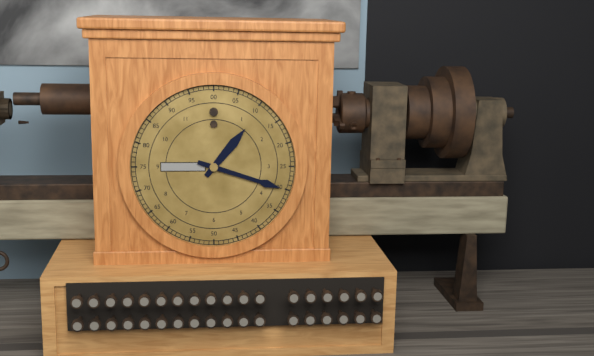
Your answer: **1:18**
